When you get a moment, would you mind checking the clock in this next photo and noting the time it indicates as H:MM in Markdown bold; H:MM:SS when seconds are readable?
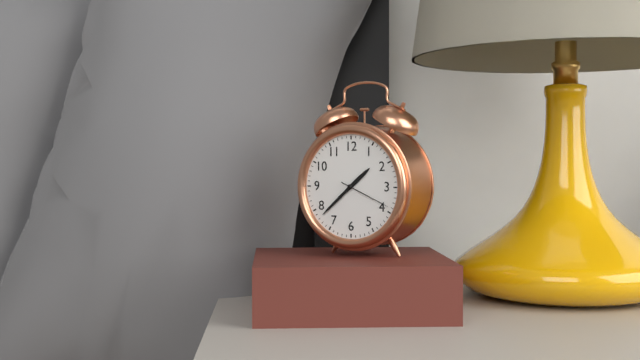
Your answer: **1:38:19**
